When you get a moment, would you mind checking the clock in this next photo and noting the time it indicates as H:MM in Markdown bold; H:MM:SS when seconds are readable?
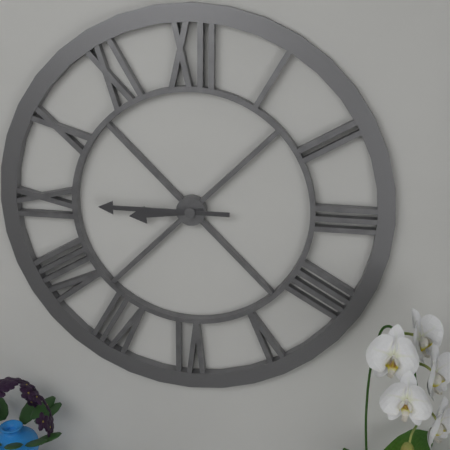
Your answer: **8:45**
